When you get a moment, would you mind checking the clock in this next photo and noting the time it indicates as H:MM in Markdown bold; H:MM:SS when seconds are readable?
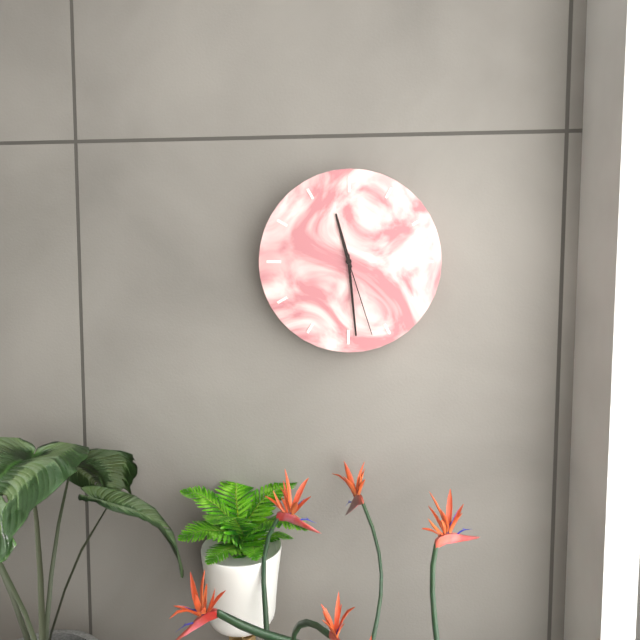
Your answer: **11:29:27**
